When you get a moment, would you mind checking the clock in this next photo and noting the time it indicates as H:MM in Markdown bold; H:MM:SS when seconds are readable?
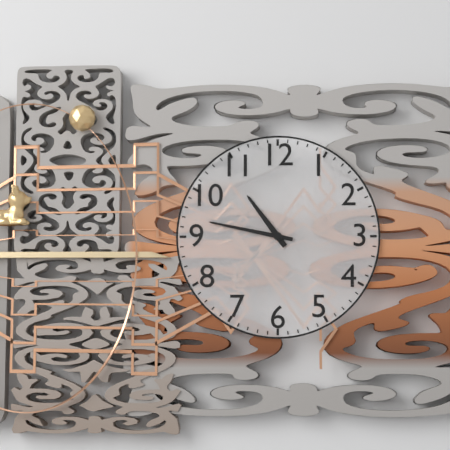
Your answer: **10:47**
